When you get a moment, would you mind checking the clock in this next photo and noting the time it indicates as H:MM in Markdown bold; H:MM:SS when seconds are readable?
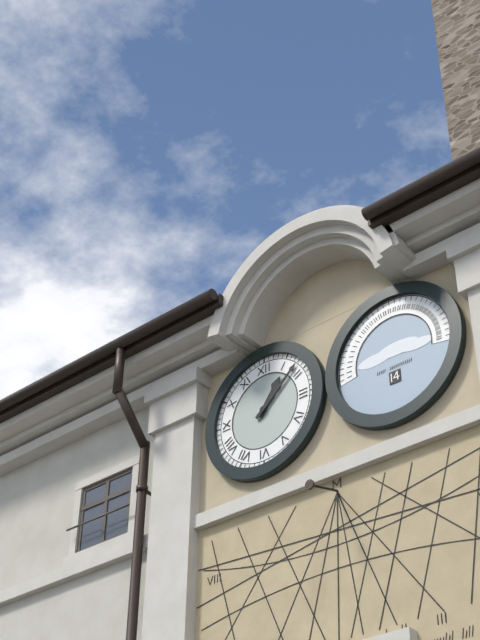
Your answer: **1:08**
